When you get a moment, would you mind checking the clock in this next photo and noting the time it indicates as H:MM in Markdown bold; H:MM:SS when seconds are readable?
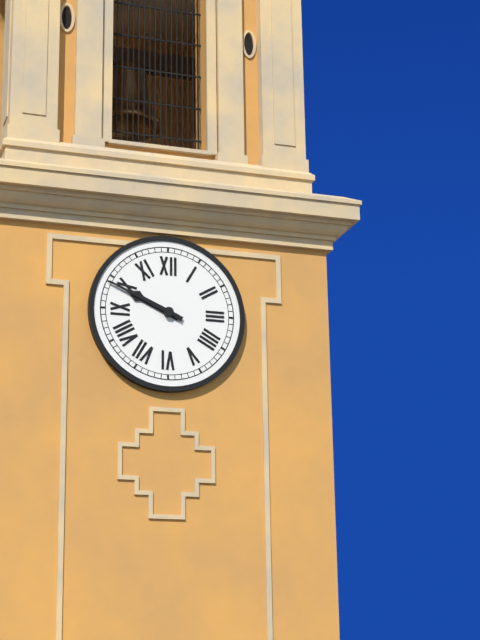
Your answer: **9:49**
